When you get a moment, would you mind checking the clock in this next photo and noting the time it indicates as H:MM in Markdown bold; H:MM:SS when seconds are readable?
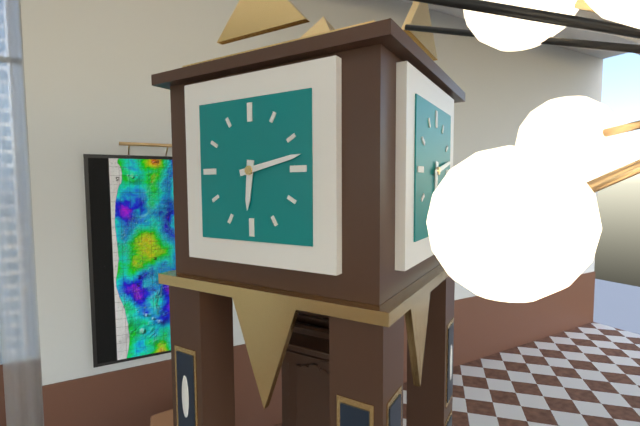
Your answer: **6:13**
